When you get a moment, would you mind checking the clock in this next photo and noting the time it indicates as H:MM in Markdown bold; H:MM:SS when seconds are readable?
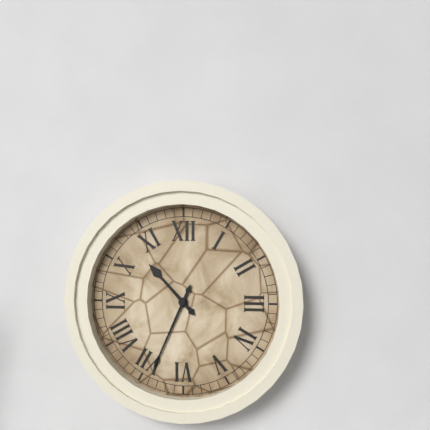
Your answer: **10:34**
